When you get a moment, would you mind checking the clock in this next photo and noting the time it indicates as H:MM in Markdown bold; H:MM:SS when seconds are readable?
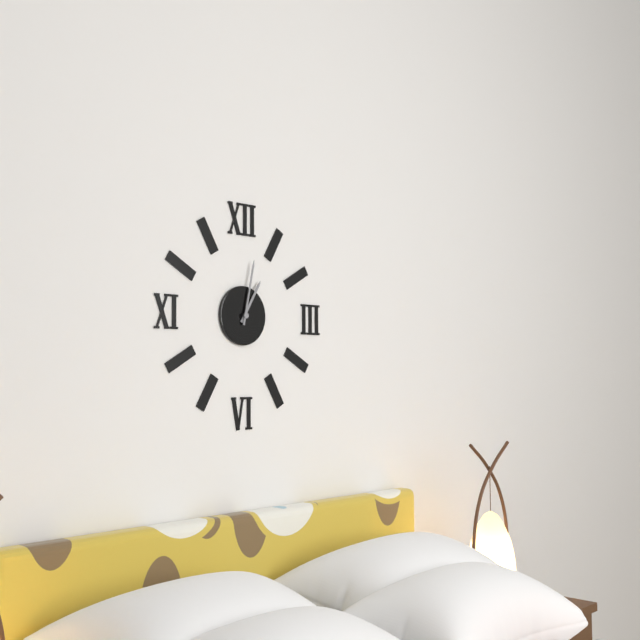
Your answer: **1:02**
